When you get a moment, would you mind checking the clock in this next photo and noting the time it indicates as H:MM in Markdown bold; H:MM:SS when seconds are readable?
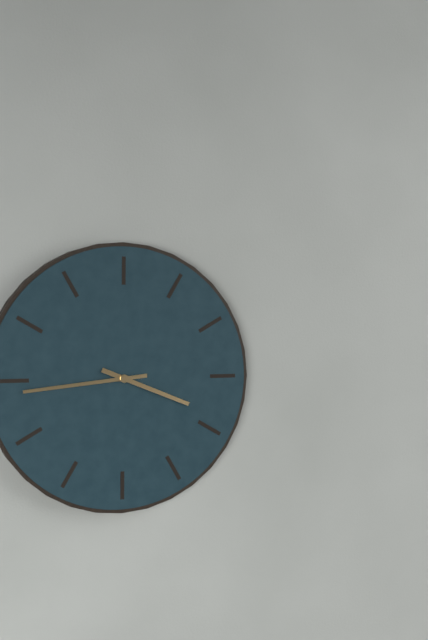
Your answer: **3:44**
